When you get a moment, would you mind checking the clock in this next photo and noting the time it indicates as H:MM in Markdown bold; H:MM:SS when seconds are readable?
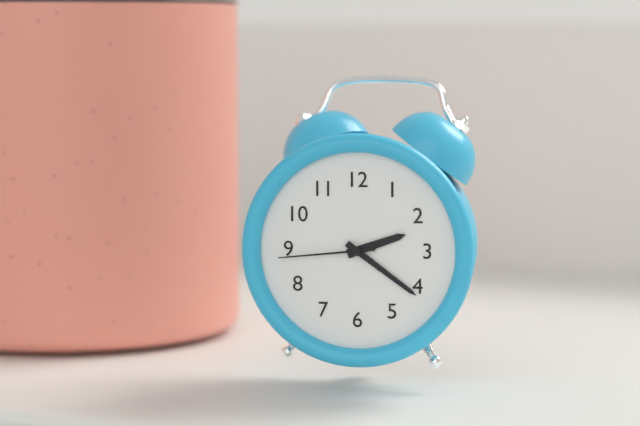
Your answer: **2:21:44**
